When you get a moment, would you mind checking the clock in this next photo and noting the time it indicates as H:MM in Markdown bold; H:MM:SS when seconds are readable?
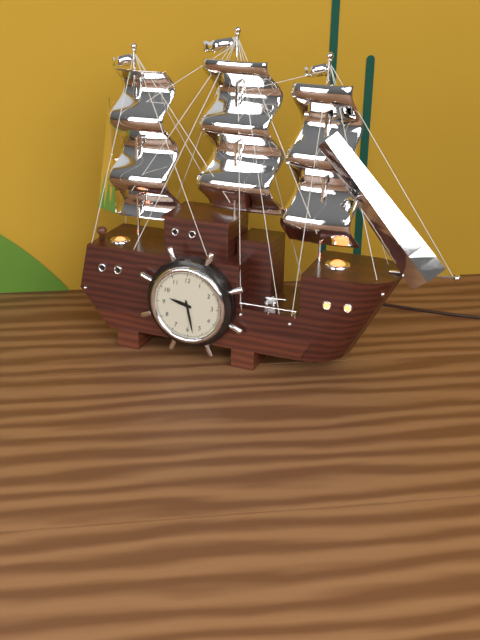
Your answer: **9:28**
